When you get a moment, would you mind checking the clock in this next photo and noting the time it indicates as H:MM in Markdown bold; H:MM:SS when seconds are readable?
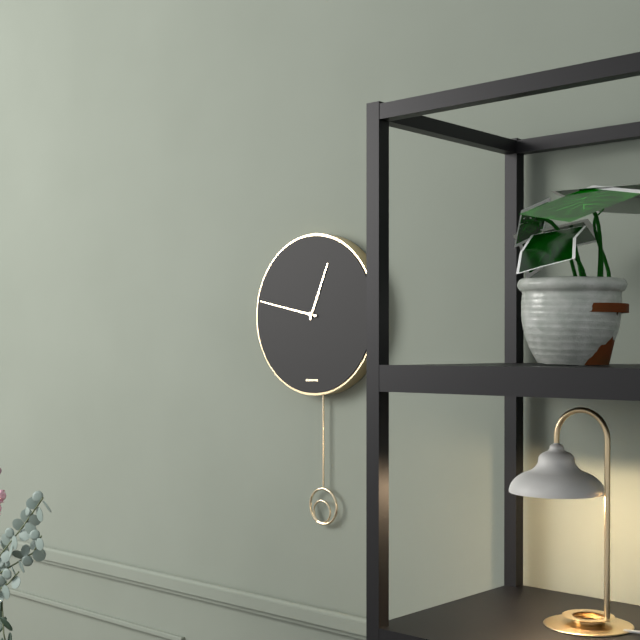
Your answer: **12:47**
